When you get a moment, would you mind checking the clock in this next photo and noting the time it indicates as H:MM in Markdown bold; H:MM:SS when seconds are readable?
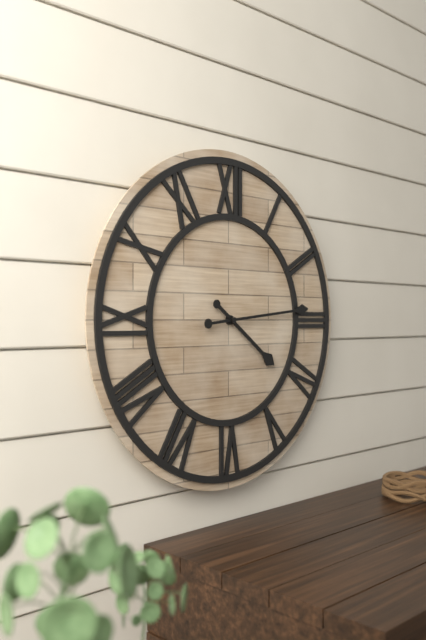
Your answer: **4:14**
